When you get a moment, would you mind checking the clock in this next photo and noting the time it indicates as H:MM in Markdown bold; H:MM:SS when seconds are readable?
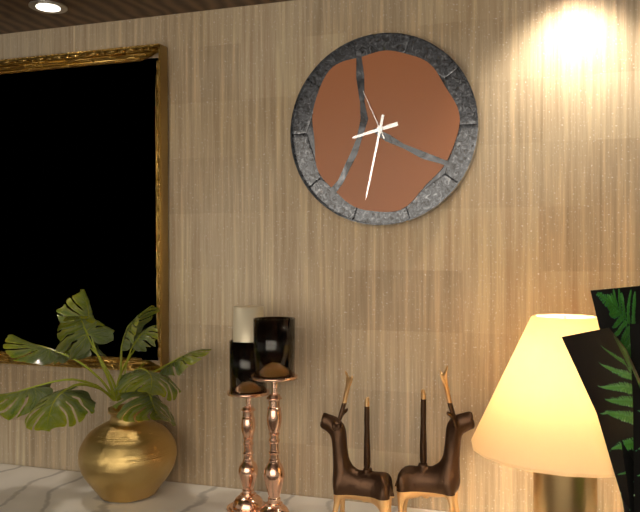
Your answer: **8:32:56**
